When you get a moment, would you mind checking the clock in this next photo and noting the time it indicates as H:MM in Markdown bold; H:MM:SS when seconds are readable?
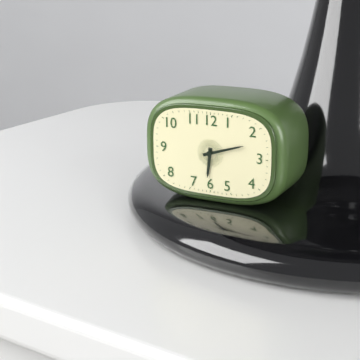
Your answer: **6:12**
